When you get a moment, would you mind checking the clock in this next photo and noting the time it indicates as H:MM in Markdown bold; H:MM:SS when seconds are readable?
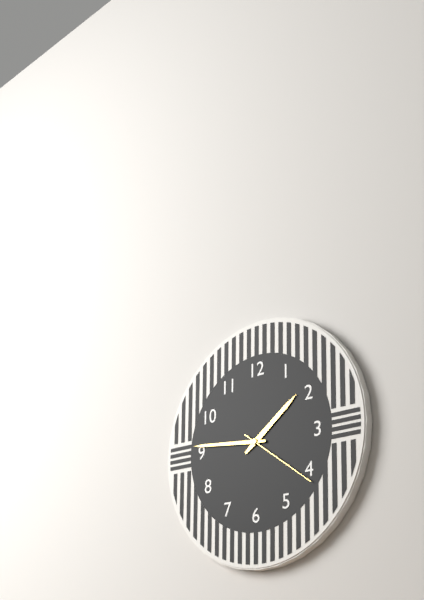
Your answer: **1:46:21**
